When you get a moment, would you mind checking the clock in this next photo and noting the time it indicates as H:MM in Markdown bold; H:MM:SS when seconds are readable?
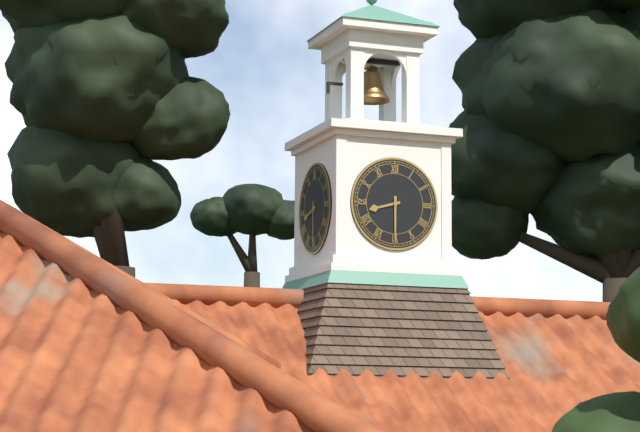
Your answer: **8:30**
